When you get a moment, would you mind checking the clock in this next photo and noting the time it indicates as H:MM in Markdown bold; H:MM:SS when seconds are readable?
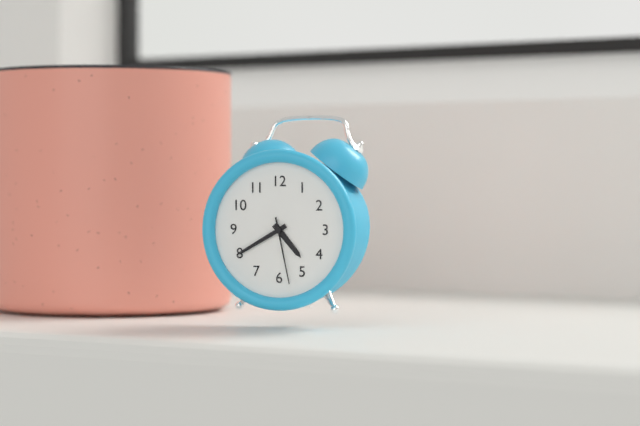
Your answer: **4:40:28**
